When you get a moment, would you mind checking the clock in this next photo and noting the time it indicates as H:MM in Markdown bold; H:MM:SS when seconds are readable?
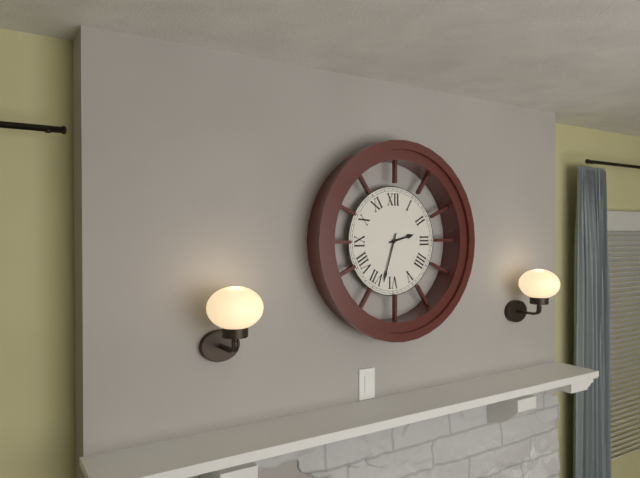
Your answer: **2:33**
